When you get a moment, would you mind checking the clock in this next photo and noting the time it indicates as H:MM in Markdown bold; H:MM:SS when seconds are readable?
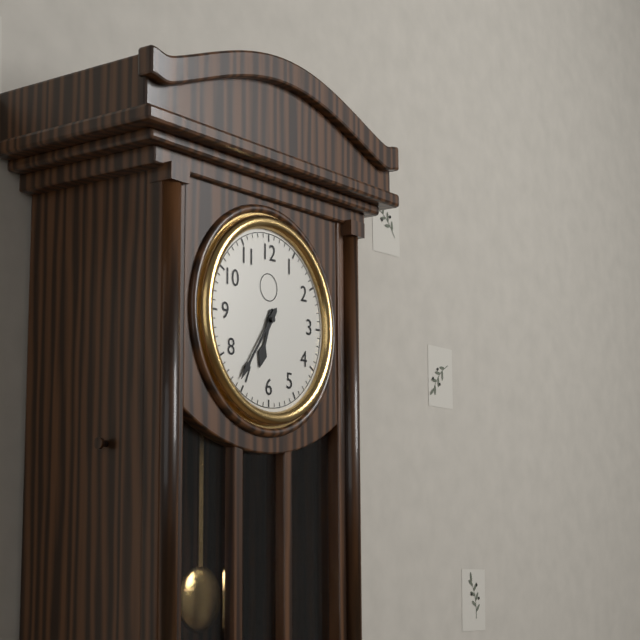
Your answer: **6:36**
